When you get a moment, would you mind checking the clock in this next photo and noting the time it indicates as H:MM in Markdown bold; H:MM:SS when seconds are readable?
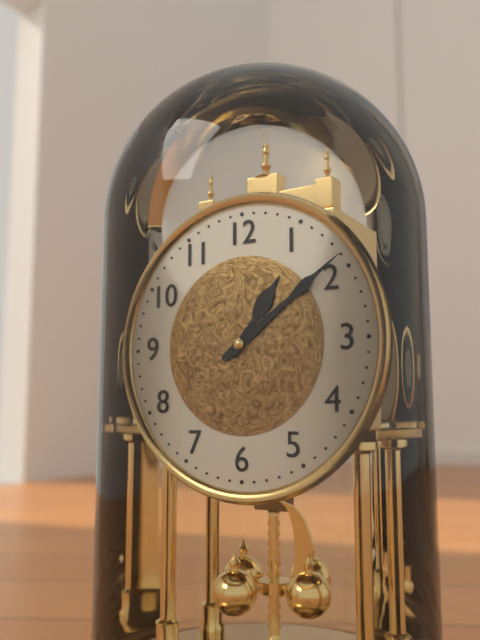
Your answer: **1:09**
